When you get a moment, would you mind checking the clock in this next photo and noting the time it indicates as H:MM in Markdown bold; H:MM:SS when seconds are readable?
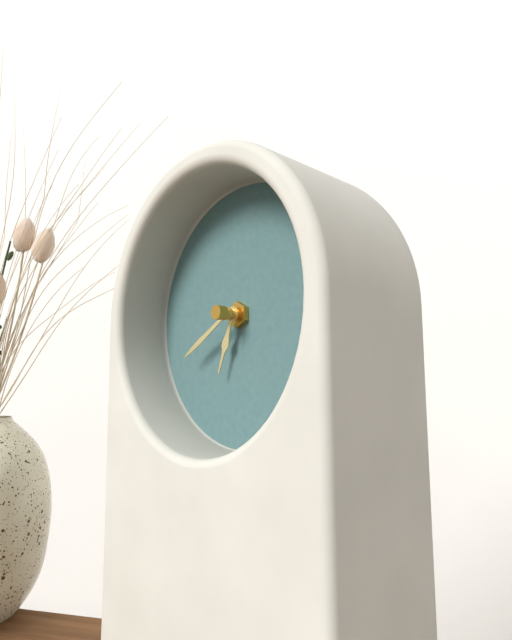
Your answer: **6:40**
